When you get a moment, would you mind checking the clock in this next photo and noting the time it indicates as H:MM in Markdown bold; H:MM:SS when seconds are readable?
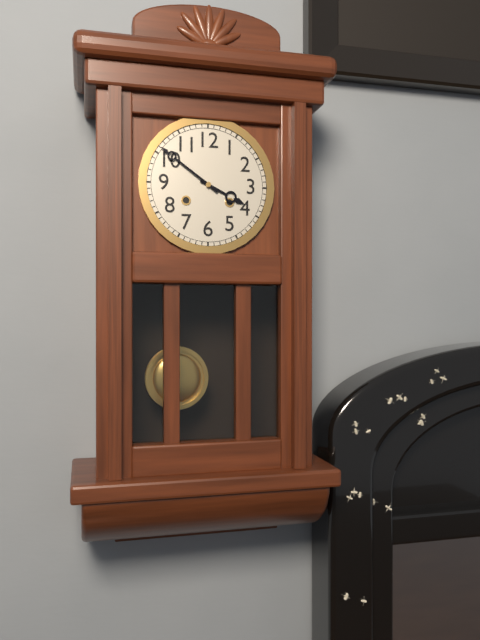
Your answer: **3:51**
